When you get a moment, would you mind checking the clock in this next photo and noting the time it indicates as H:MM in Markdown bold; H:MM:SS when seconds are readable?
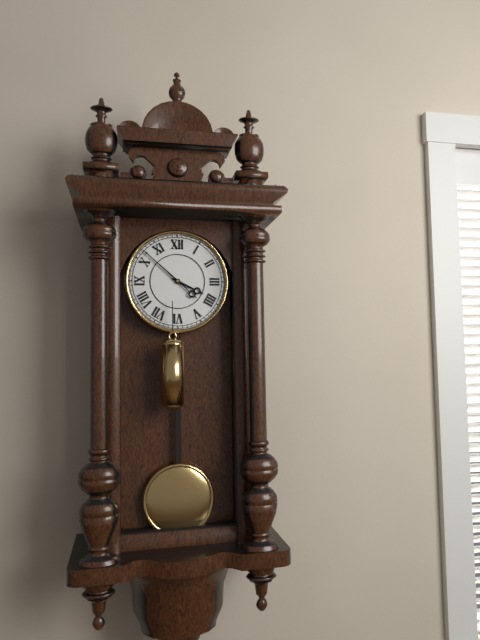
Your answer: **3:52**
